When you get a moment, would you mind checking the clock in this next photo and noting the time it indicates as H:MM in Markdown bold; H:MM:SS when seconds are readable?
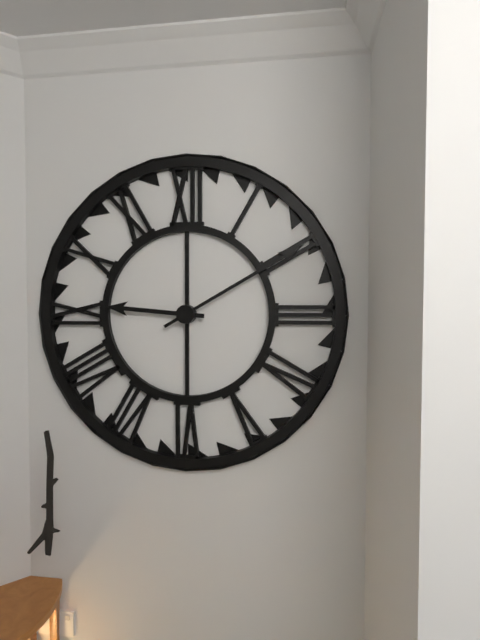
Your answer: **9:10**
